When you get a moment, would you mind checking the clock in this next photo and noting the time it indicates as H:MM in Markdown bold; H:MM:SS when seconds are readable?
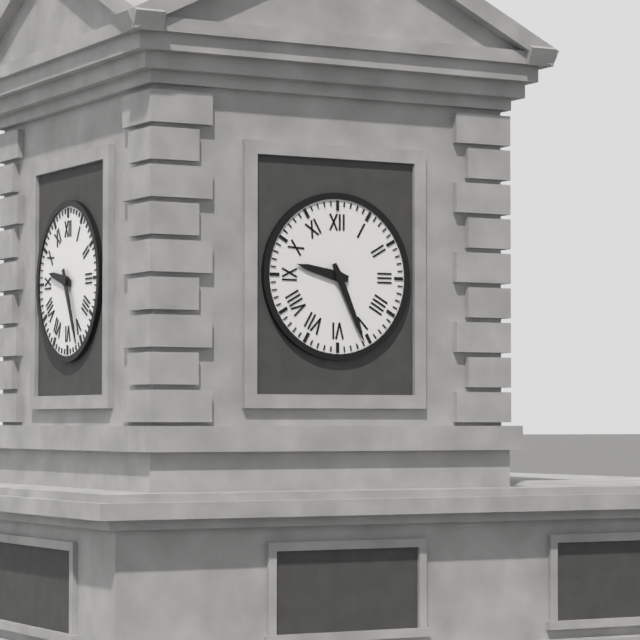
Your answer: **9:26**
